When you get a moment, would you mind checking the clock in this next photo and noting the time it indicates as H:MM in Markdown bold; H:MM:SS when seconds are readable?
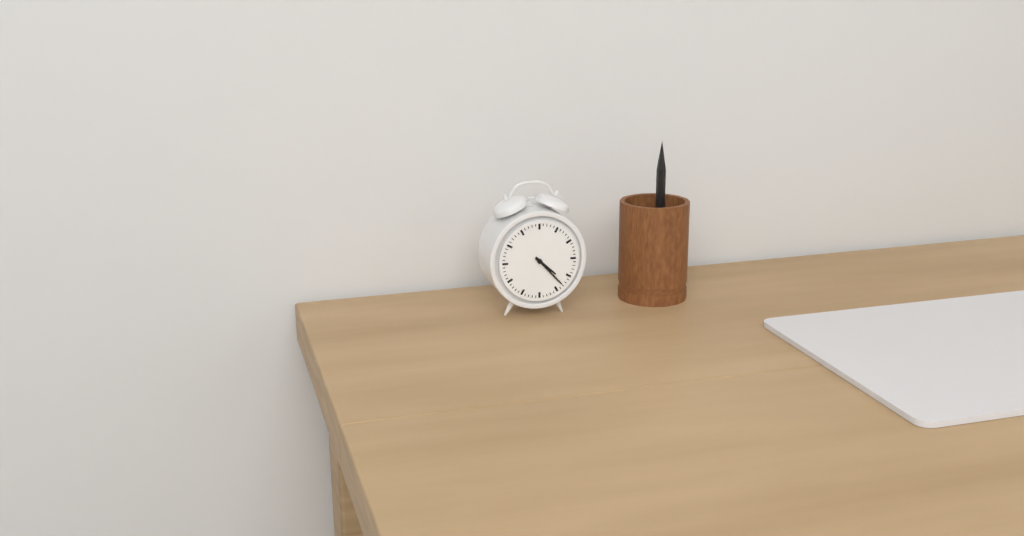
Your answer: **4:23**
